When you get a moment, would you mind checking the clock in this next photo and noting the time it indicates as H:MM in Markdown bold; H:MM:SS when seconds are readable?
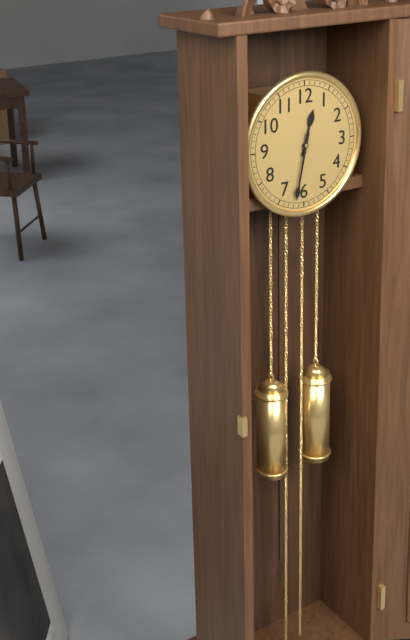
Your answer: **12:32**
